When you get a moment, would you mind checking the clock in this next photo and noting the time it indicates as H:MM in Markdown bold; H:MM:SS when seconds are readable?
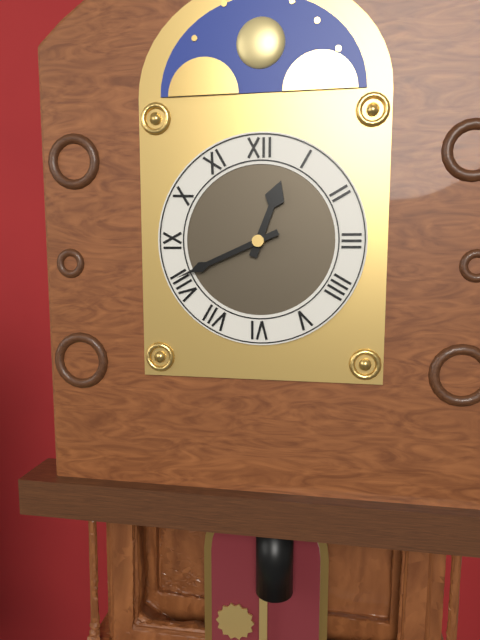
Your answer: **12:41**
